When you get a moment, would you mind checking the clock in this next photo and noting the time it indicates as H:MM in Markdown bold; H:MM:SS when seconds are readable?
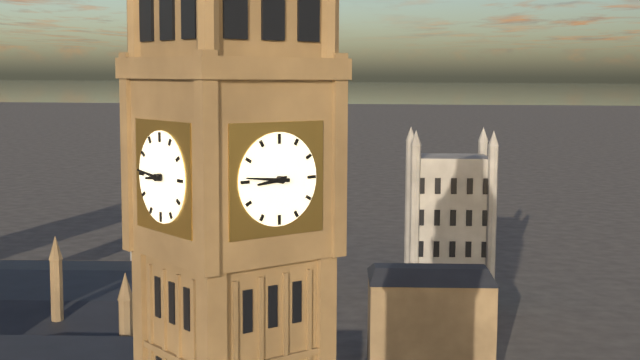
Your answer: **8:46**
